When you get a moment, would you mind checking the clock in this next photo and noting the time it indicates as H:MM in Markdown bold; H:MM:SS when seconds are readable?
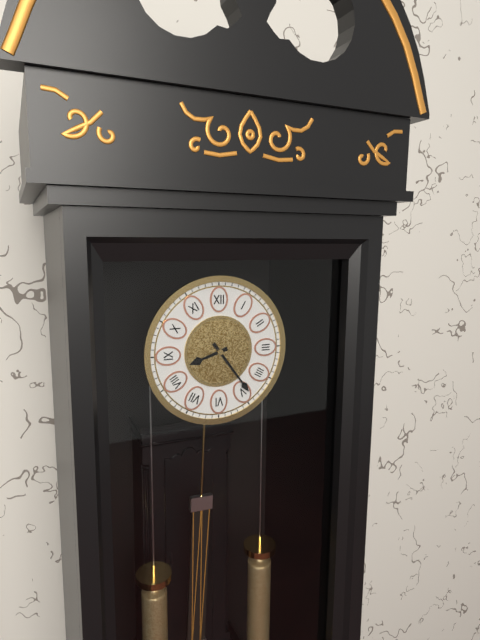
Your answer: **8:24**
